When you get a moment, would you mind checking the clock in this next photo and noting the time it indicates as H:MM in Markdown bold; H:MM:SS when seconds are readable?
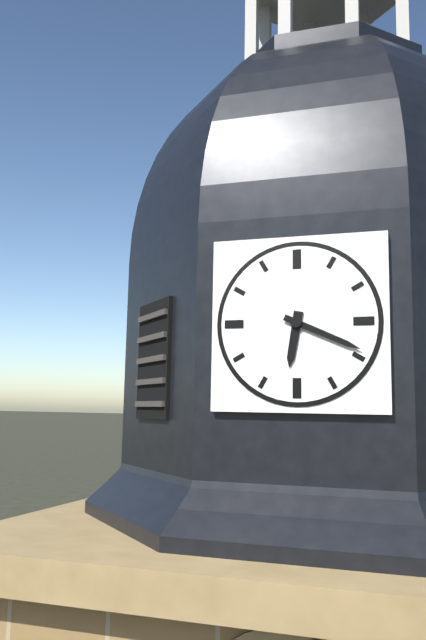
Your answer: **6:19**
